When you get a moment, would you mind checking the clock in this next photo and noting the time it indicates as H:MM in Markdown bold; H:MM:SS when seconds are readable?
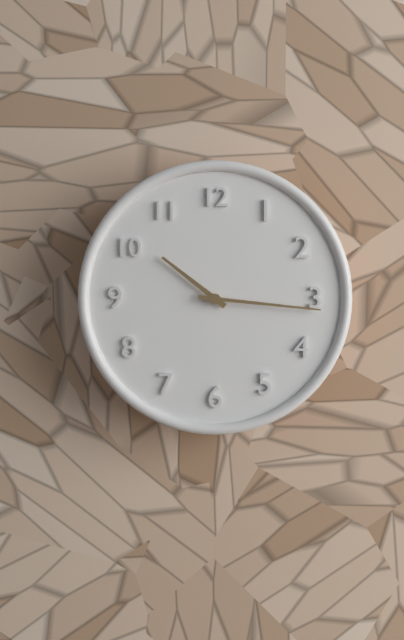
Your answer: **10:16**
